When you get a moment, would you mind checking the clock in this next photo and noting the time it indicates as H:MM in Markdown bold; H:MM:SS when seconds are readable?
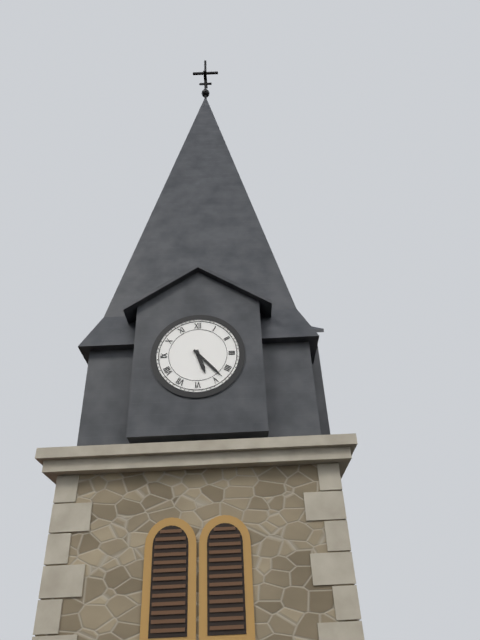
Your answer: **5:23**
